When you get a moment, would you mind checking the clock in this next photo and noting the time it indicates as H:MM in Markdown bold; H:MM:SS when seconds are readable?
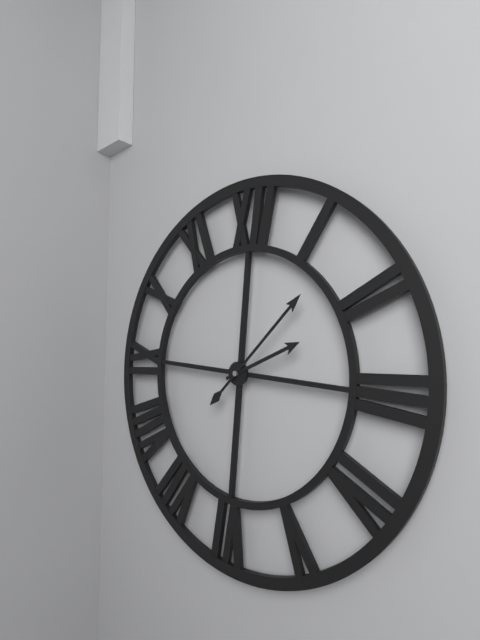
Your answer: **2:07**
